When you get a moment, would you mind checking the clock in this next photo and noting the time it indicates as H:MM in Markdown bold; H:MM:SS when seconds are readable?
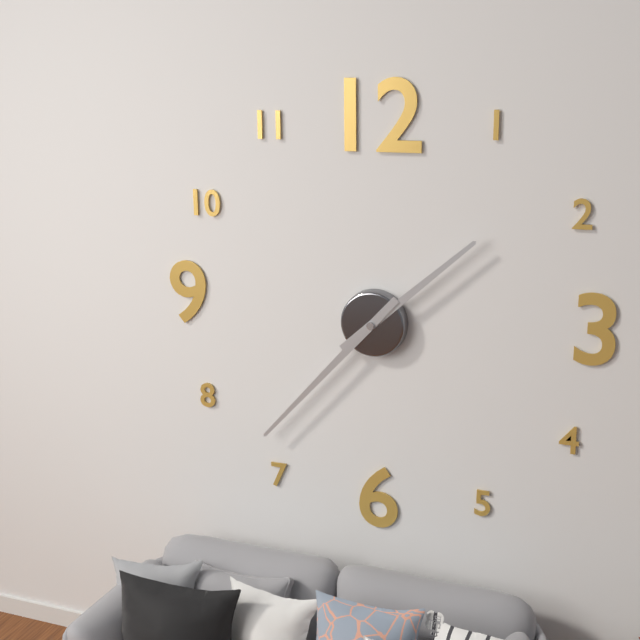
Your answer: **1:37**
